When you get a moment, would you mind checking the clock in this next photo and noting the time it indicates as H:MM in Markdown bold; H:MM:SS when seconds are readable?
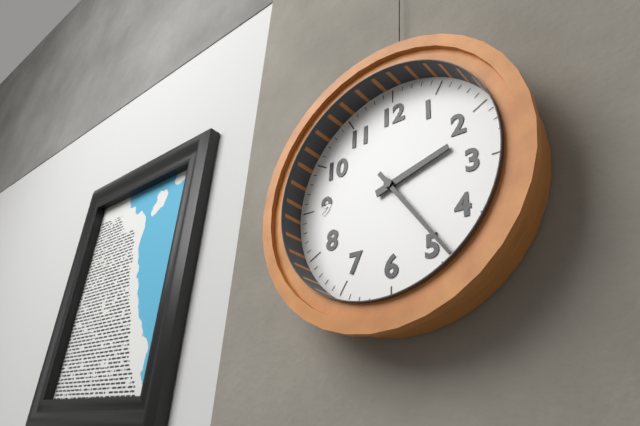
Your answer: **2:24**
